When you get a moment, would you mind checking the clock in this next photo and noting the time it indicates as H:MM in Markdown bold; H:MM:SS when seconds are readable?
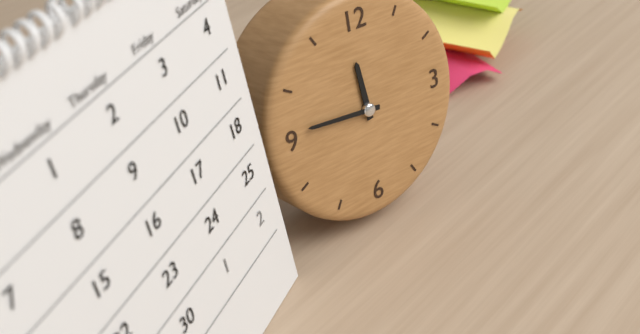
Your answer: **11:46**
